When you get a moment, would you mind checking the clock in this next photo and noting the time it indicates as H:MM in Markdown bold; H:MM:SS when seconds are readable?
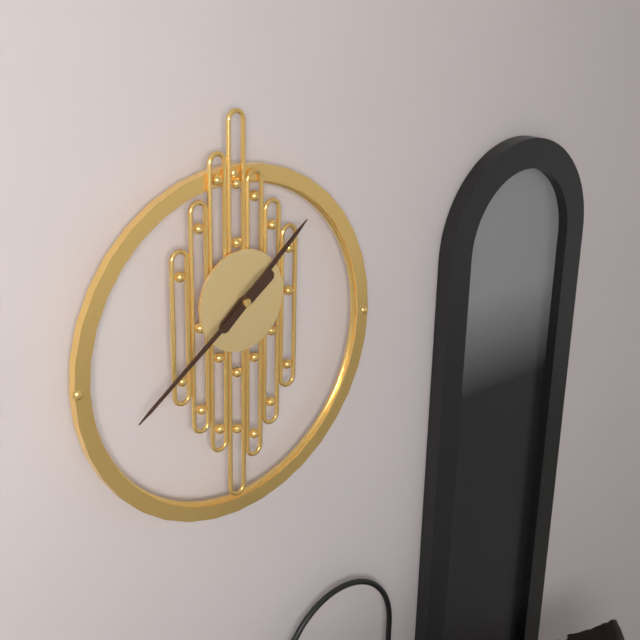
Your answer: **1:39**
